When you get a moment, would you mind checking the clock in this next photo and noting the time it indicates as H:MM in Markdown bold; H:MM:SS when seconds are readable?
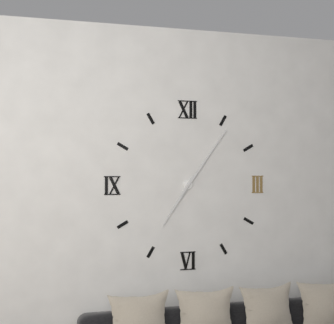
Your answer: **7:06**
